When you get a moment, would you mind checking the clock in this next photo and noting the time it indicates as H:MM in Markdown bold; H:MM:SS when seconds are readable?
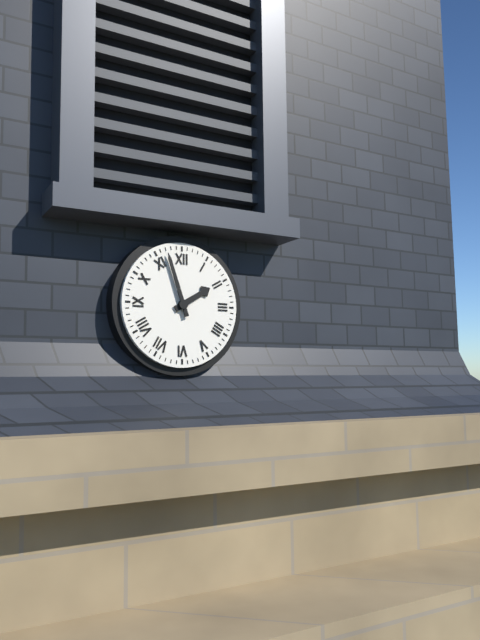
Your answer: **1:57**
